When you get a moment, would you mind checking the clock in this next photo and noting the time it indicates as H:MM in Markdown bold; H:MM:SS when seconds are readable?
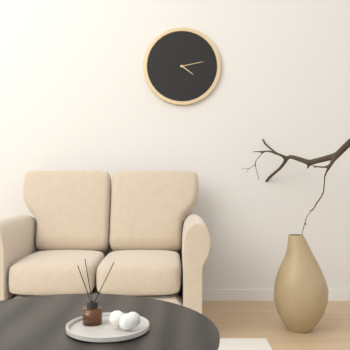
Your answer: **4:13**
